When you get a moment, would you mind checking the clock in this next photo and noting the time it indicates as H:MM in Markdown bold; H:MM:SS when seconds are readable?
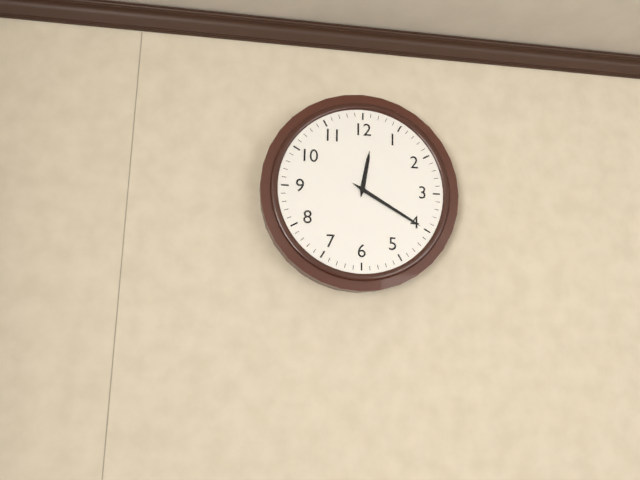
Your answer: **12:20**
